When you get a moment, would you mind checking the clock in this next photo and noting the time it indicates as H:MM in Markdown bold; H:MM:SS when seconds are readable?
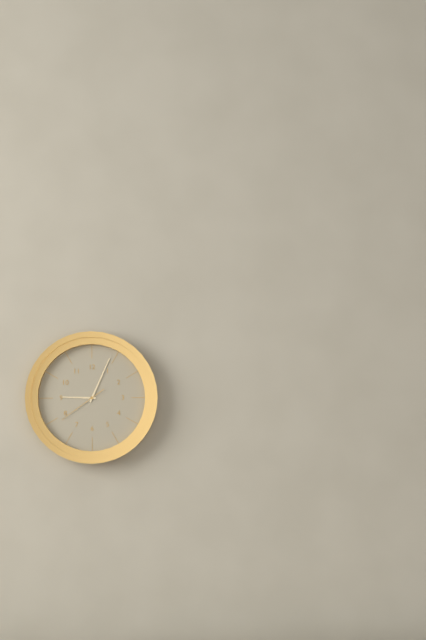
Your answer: **9:04**
